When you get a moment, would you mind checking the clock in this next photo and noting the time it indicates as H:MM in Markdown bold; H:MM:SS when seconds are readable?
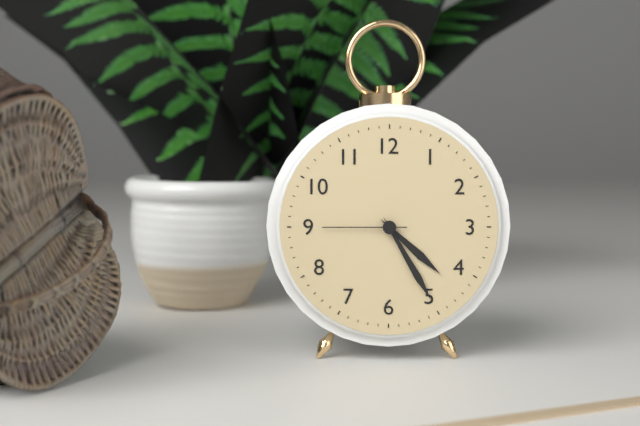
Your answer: **4:25:45**
